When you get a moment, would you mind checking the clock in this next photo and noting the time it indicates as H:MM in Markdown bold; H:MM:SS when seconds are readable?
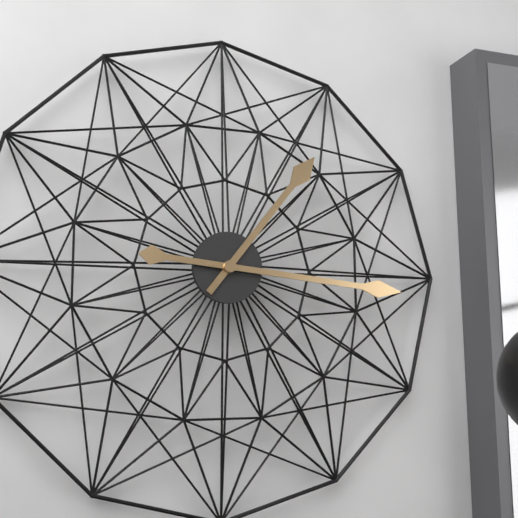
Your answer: **1:16**
